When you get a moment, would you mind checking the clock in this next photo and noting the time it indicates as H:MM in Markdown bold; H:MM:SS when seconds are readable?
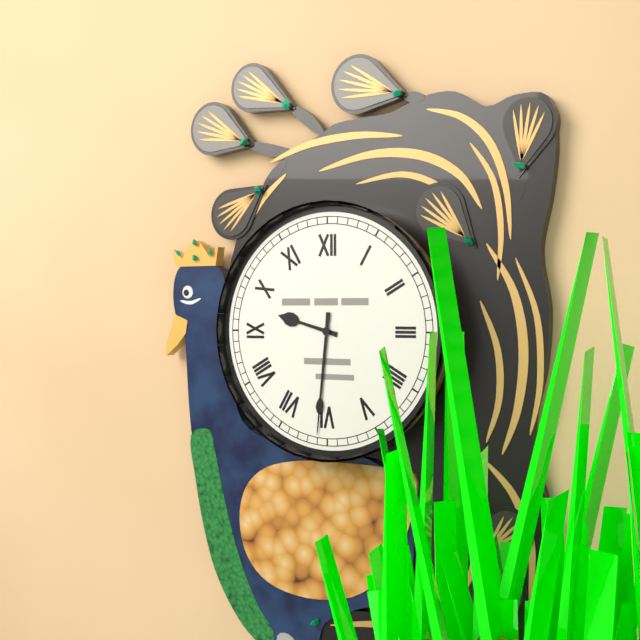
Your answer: **9:31**
